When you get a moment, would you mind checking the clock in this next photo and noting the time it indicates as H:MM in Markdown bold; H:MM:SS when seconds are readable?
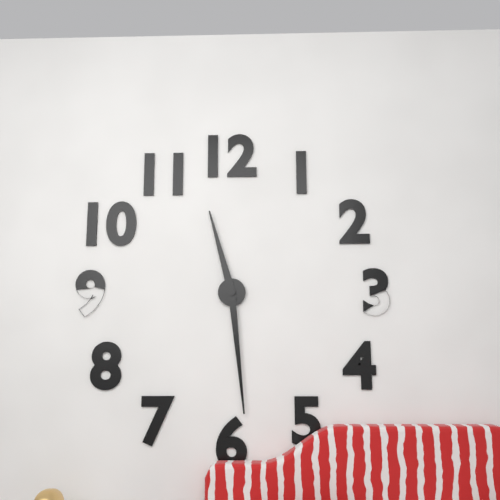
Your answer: **11:29**
